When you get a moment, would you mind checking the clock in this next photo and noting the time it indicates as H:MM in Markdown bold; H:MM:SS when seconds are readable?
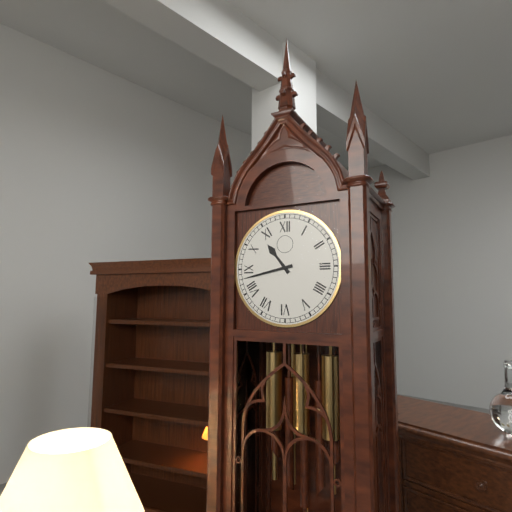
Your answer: **10:43**
